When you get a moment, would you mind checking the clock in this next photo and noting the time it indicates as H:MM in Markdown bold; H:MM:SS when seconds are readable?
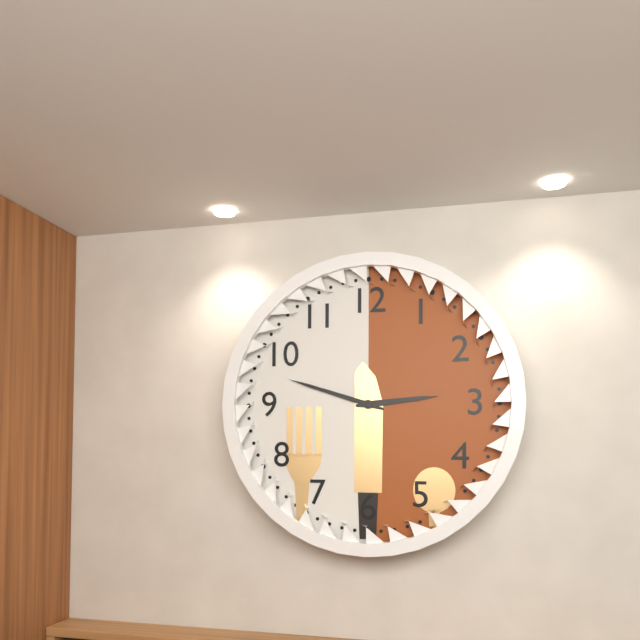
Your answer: **2:48**
